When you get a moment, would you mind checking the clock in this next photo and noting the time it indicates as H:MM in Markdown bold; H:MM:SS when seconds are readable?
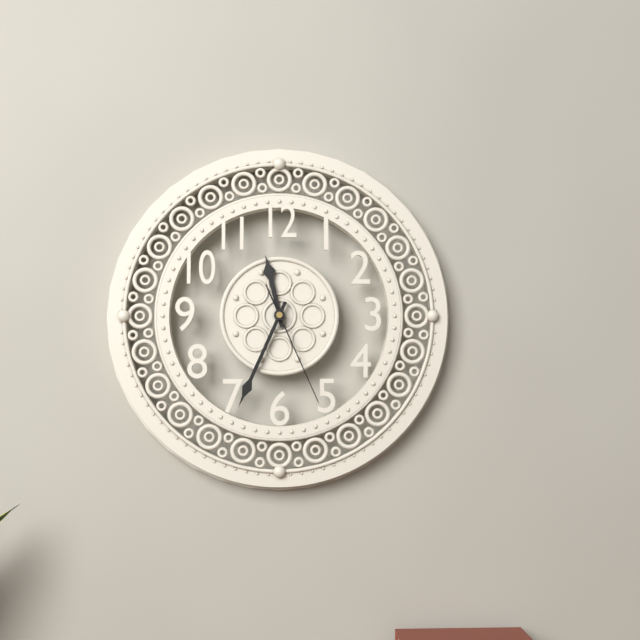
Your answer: **11:34:26**
